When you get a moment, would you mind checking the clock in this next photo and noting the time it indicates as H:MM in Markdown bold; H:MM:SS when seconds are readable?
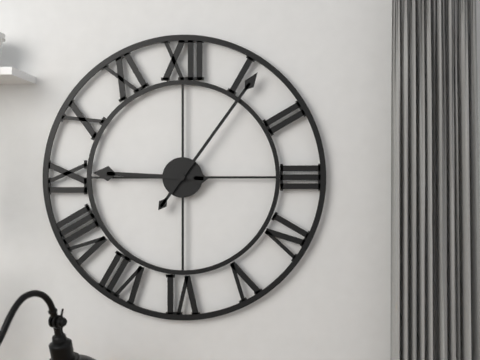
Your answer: **9:06**
